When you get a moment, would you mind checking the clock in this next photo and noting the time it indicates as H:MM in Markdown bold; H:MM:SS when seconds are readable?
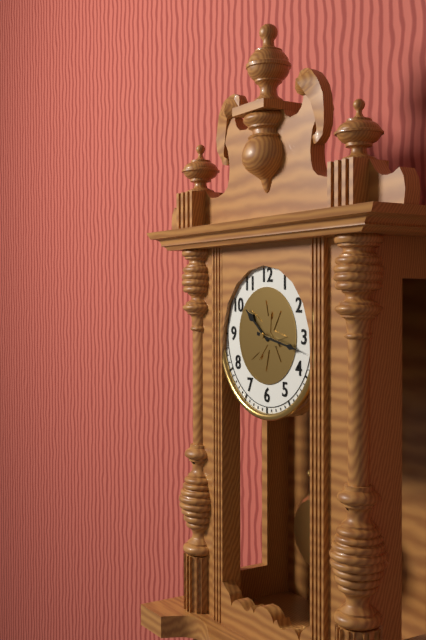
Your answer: **10:17**
